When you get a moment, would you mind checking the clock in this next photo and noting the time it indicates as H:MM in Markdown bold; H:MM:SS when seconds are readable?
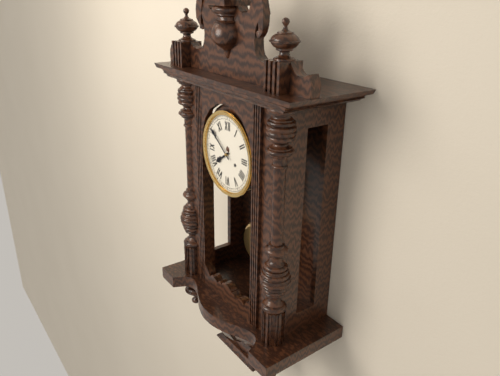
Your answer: **7:51**
